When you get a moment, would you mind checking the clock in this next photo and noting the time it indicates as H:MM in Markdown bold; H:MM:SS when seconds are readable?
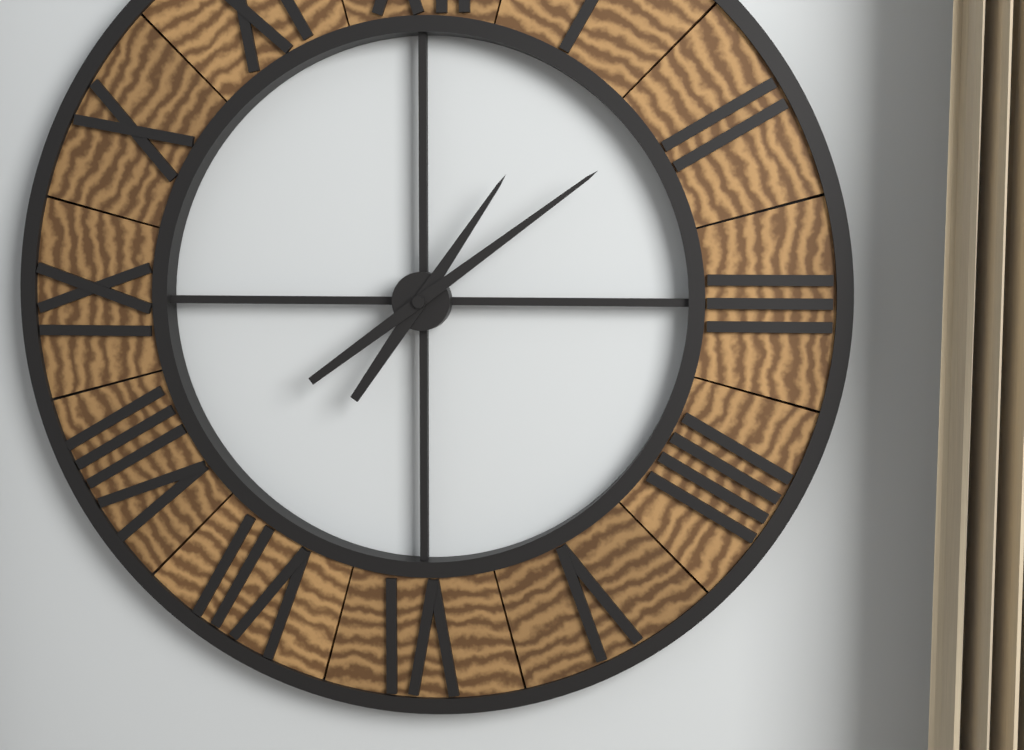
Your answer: **1:09**
